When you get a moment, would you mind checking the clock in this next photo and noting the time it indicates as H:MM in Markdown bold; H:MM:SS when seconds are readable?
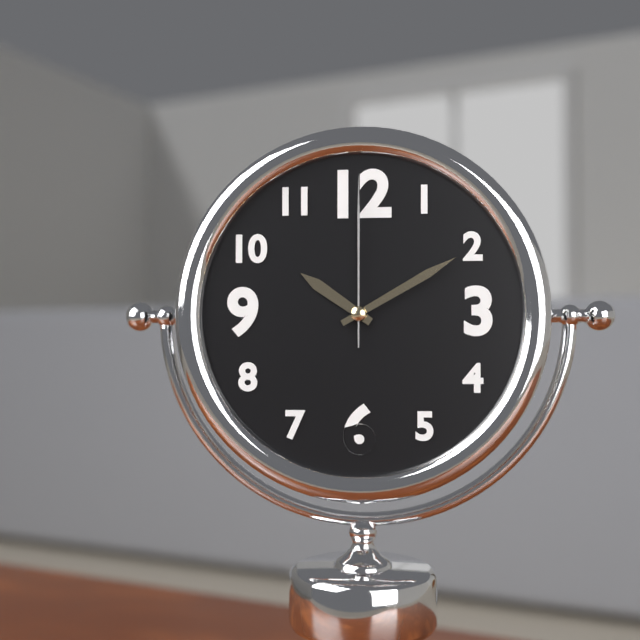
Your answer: **10:10:00**
